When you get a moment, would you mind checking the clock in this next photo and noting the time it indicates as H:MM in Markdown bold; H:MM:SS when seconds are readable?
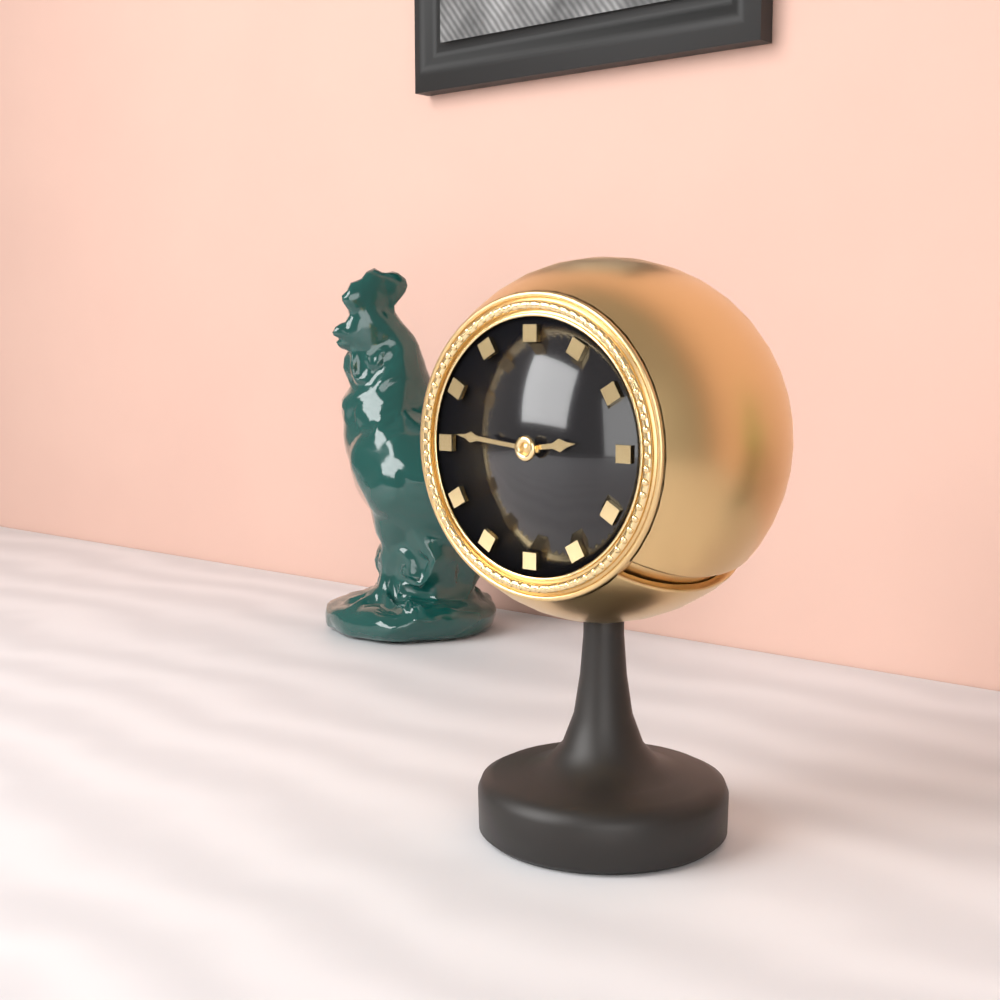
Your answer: **2:46**
